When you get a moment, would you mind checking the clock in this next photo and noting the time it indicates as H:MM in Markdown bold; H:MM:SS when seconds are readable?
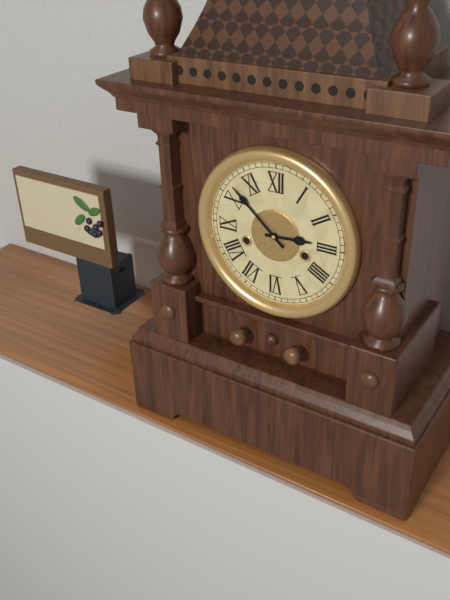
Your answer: **2:52**
